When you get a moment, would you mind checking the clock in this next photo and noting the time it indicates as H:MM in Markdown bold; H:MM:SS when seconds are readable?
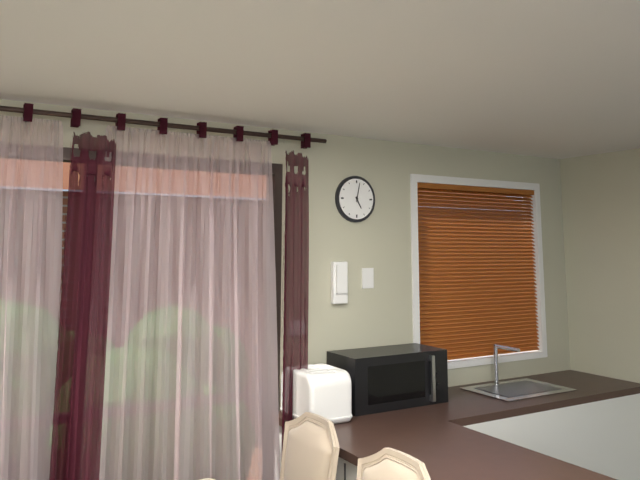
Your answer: **5:02**
